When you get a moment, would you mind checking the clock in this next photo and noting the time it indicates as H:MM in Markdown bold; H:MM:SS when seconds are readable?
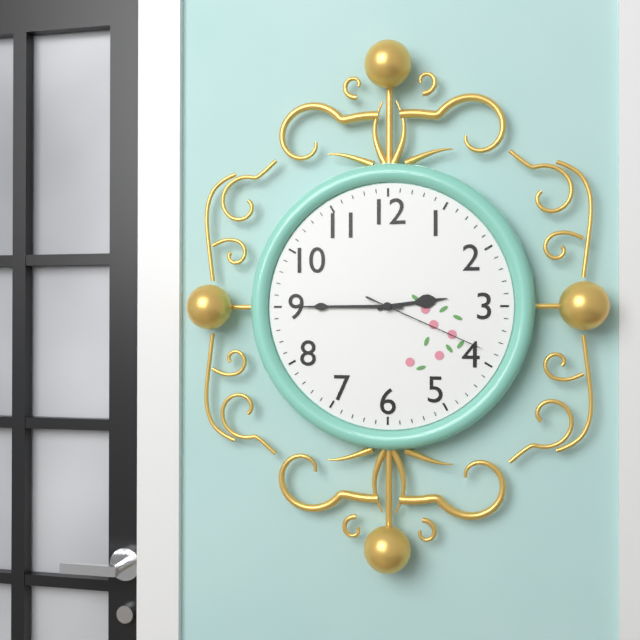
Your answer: **2:45:19**
